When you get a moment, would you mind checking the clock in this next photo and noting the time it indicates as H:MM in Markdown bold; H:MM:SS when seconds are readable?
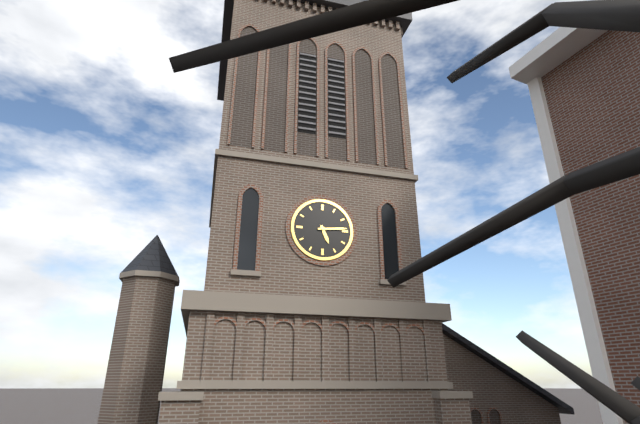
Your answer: **5:14**
